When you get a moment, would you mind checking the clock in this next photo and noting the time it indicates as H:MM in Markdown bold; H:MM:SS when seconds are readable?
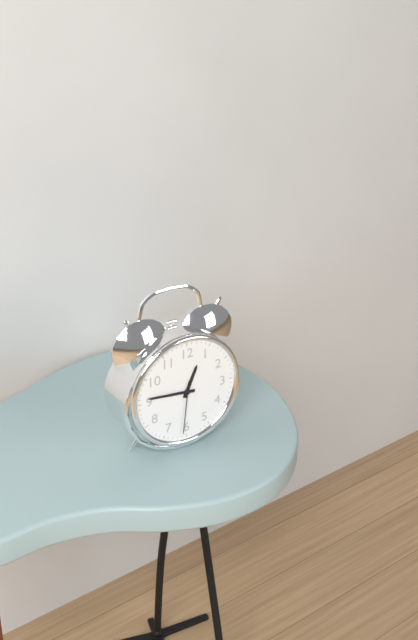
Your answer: **12:46:31**
